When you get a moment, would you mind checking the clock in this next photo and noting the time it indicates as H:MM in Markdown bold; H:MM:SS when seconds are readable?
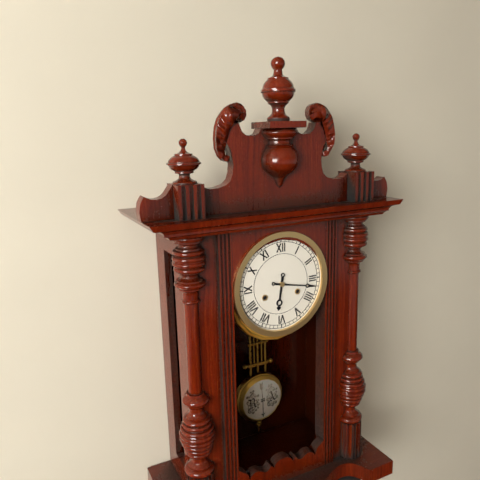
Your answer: **6:17**
